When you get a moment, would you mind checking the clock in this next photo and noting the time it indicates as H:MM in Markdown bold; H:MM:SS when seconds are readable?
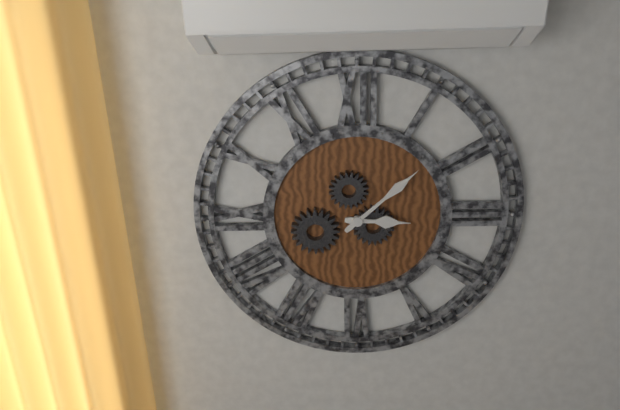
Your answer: **3:08**
